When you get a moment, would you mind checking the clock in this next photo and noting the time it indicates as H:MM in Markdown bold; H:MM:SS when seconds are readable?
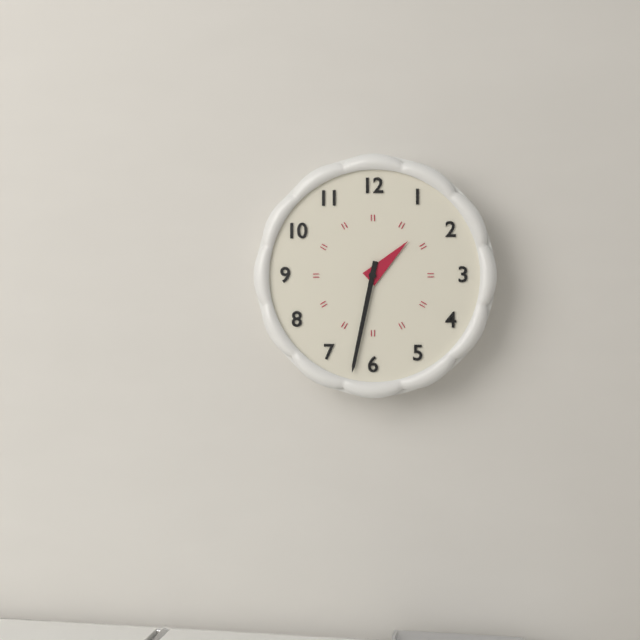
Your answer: **1:32**
